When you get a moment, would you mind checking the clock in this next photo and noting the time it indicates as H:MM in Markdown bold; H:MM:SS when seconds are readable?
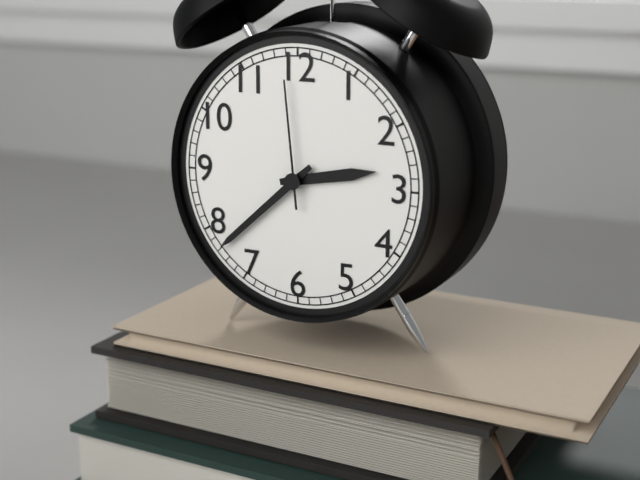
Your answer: **2:38:59**
